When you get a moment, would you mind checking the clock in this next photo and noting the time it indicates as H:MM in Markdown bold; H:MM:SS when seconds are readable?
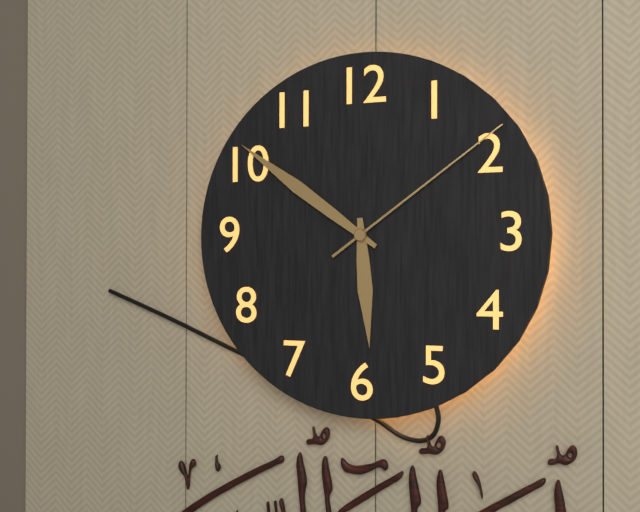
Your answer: **5:51:09**
